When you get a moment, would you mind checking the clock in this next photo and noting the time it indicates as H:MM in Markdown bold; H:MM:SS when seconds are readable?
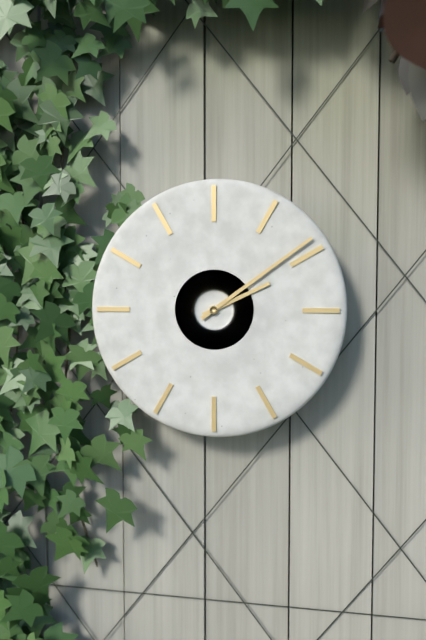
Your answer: **2:09**
